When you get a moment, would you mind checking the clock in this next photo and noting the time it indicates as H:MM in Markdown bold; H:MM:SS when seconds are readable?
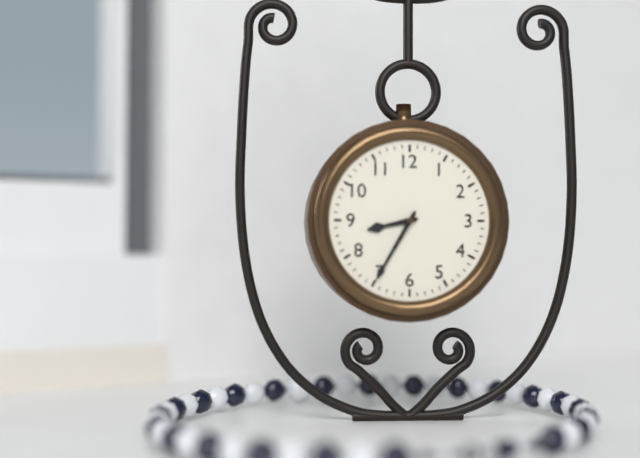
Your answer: **8:35**
